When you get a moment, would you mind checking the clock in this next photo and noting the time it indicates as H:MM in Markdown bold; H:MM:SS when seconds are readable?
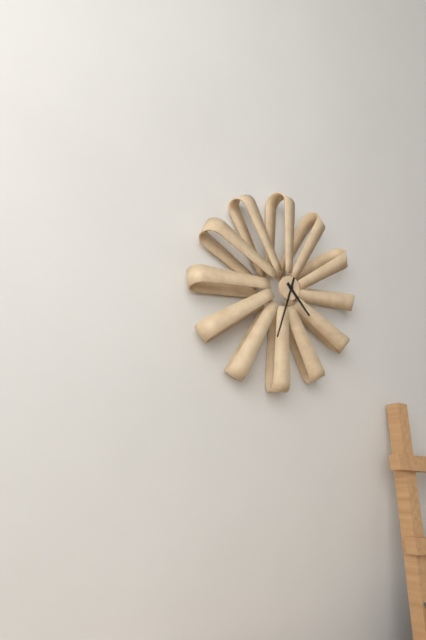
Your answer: **4:33**
